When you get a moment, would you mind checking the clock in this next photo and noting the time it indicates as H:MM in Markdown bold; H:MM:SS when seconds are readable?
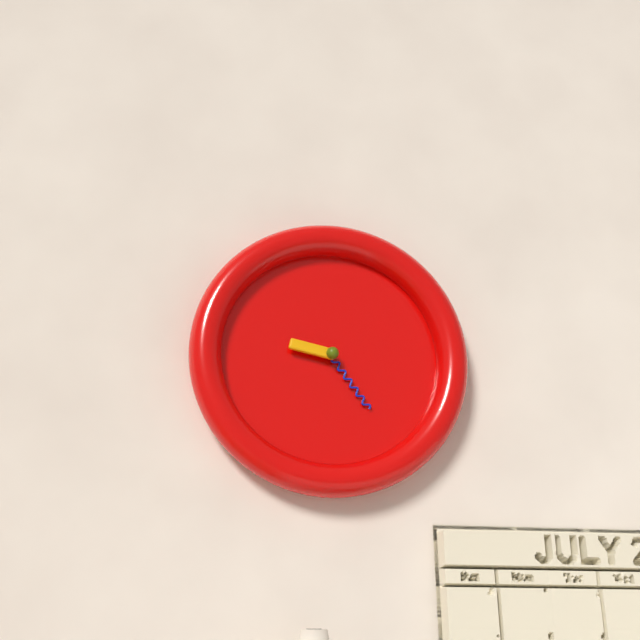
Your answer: **9:24**
